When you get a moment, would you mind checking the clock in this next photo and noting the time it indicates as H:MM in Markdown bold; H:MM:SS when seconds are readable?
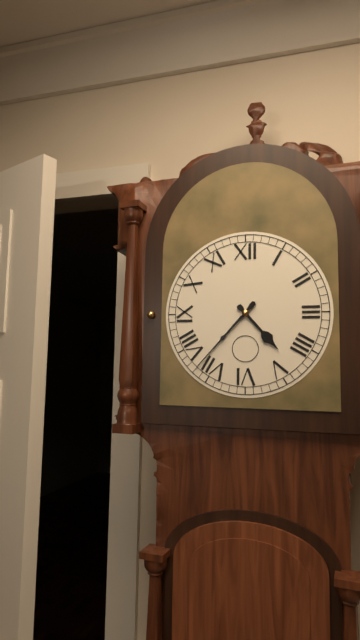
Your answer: **4:37**
